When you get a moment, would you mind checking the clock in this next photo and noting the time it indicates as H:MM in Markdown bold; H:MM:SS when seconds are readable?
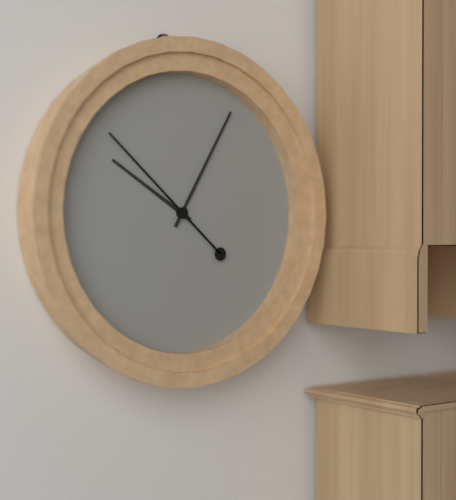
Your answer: **10:05:52**
